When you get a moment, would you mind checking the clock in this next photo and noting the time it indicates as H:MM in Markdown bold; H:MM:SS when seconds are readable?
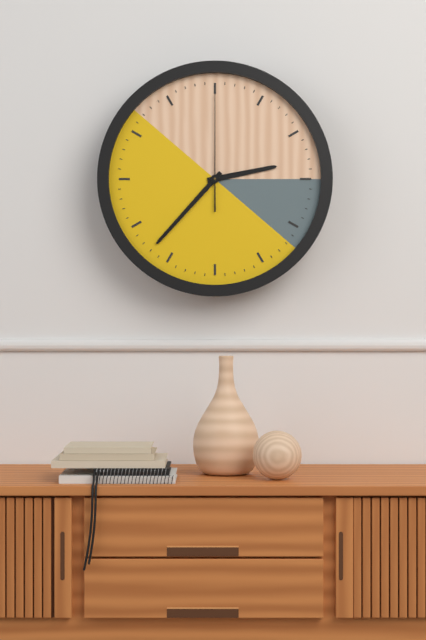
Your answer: **2:37:00**
